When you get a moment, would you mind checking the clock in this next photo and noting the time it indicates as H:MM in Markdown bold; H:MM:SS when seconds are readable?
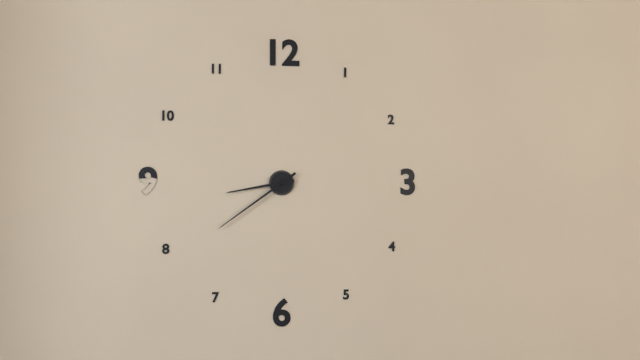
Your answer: **8:39**
